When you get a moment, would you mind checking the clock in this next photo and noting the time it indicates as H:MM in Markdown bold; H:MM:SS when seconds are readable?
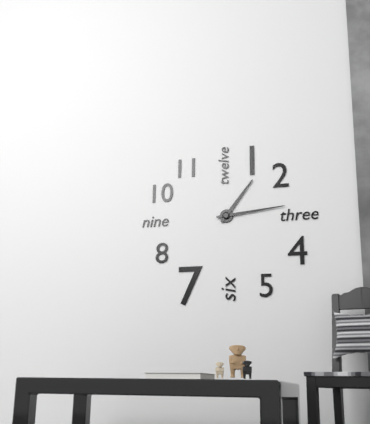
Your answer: **1:14**
